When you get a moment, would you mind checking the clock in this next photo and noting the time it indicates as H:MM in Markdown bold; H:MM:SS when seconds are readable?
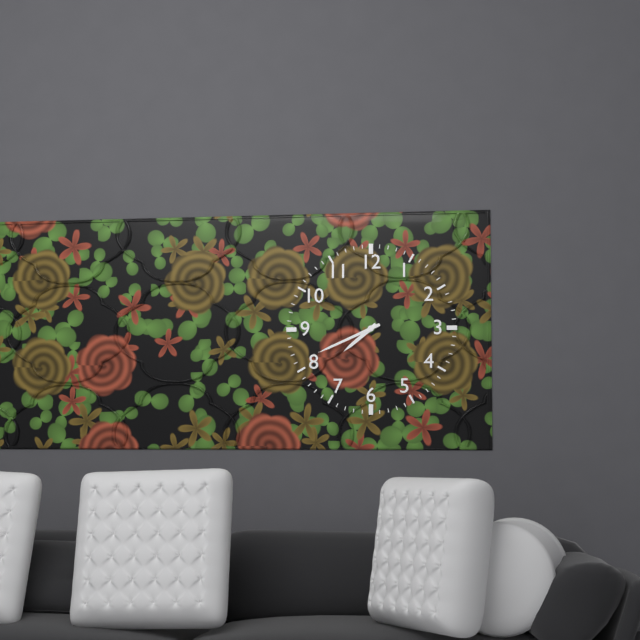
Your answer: **7:41**
